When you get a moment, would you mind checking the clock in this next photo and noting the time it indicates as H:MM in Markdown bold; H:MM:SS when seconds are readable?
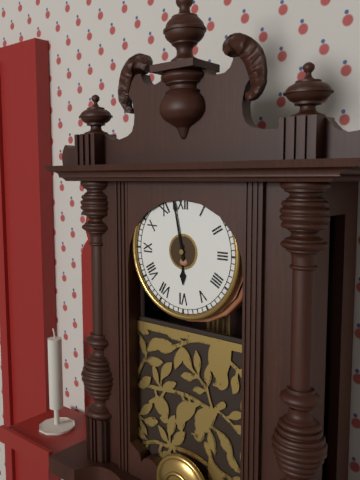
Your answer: **5:58**
